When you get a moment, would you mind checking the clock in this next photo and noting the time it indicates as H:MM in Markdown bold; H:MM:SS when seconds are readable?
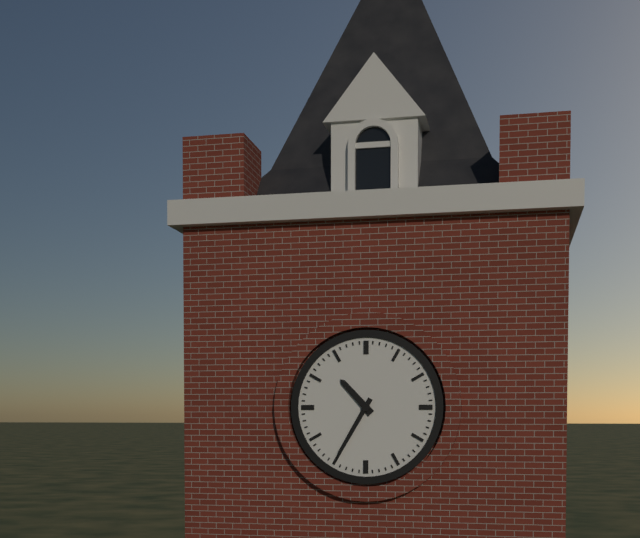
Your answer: **10:35**
